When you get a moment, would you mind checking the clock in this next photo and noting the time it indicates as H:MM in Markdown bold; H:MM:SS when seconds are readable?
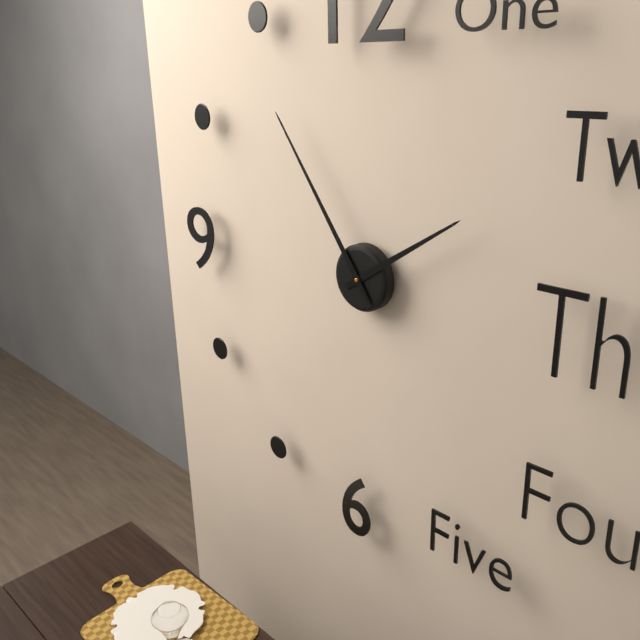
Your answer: **1:54**
